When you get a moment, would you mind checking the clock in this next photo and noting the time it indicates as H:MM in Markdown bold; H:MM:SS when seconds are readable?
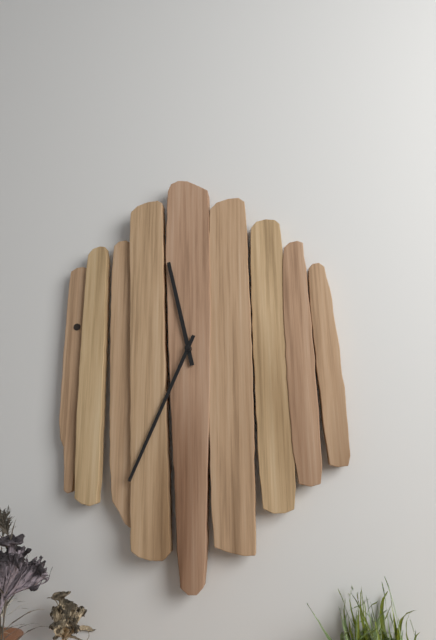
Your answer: **11:34**
